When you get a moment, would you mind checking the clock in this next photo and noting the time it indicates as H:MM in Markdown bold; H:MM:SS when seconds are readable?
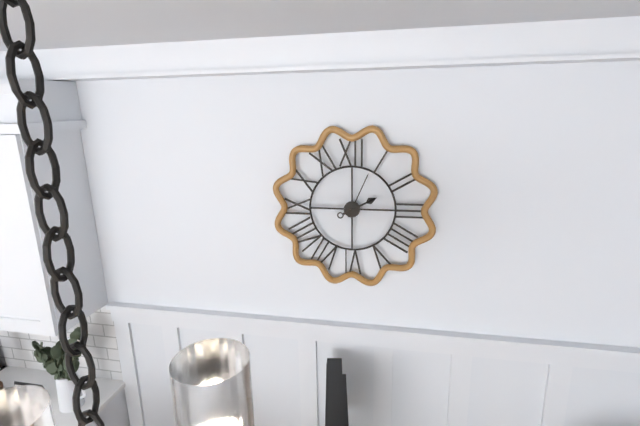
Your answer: **2:04**
